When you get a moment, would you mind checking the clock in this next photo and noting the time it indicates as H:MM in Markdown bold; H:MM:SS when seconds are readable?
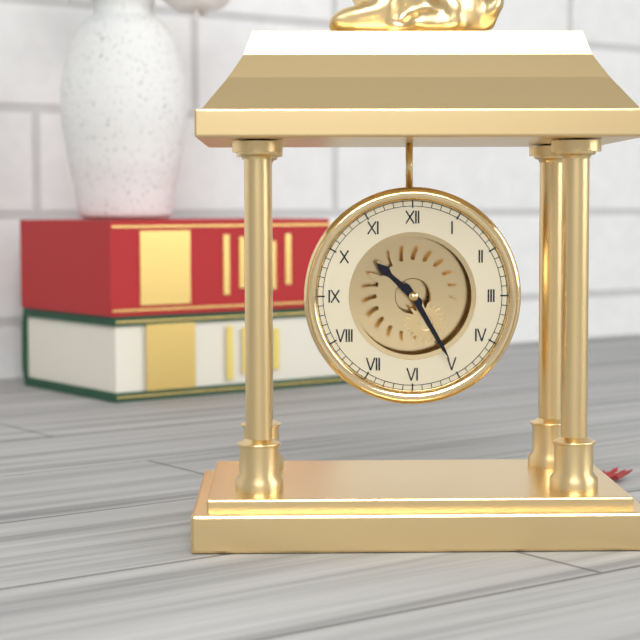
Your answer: **10:25**
